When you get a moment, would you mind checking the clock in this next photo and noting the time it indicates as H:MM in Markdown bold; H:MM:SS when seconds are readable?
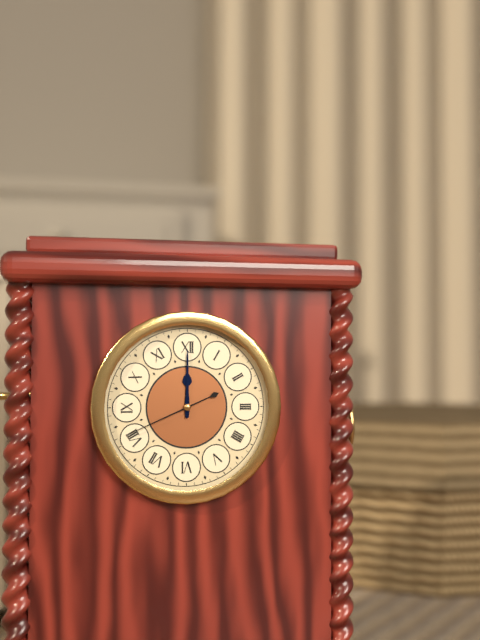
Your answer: **12:00:41**
